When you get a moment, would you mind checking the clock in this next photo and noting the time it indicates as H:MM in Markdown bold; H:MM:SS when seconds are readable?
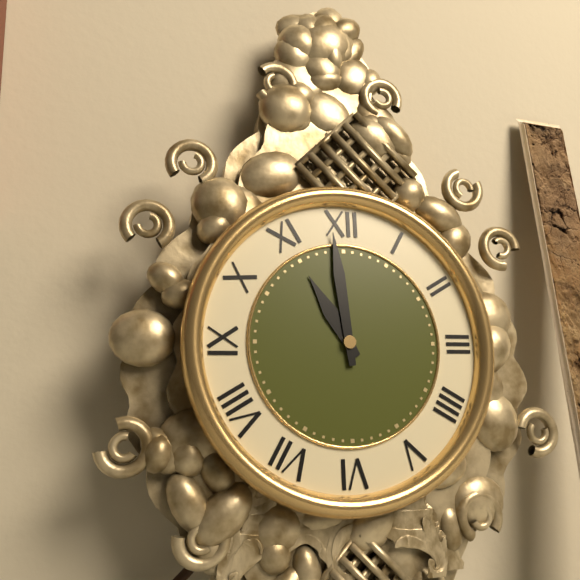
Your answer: **10:59**
